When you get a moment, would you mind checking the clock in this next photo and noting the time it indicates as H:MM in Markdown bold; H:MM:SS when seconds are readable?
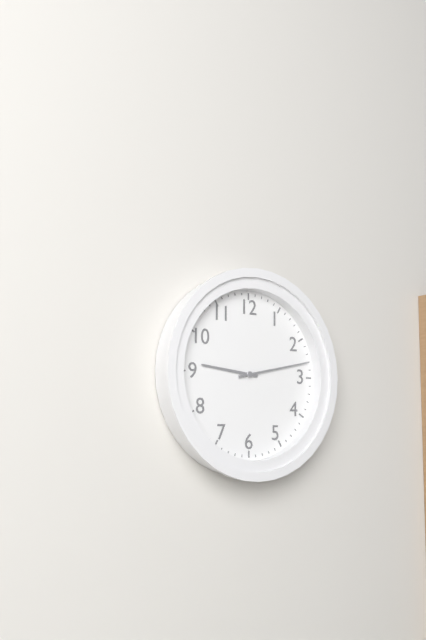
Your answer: **9:13**
